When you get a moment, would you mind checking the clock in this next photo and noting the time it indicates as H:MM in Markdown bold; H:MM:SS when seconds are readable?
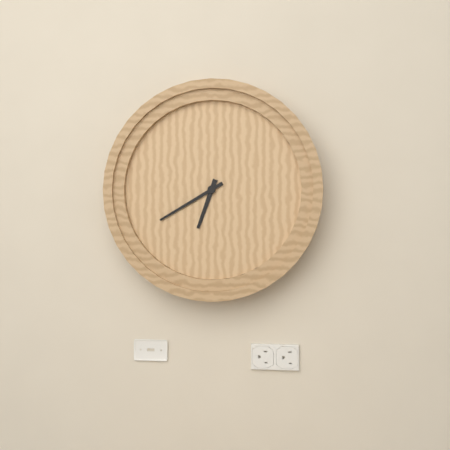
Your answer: **6:40**
